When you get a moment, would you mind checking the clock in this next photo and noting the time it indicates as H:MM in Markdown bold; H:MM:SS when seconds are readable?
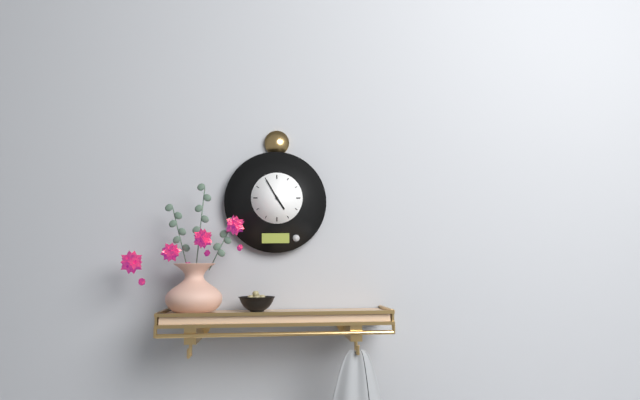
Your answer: **4:55**
